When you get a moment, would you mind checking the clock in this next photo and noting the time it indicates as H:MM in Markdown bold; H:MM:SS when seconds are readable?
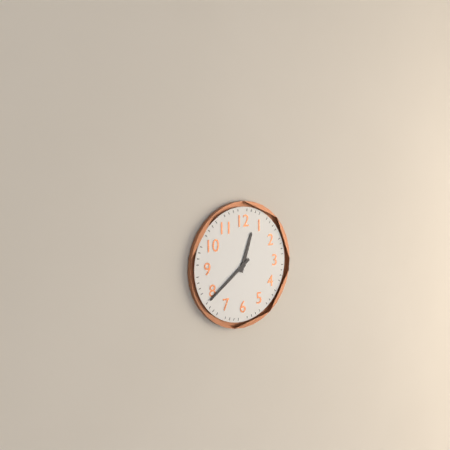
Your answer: **12:39**
